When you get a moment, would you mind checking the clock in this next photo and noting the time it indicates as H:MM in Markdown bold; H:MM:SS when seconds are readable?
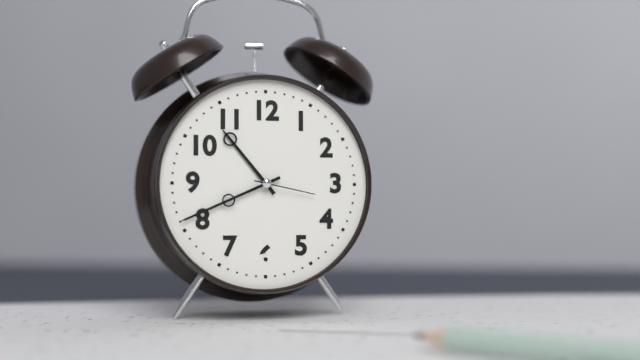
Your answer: **10:41:17**
